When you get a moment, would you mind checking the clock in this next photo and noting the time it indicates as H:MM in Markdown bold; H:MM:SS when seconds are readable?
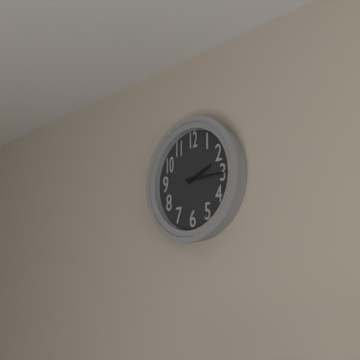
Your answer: **2:15**
